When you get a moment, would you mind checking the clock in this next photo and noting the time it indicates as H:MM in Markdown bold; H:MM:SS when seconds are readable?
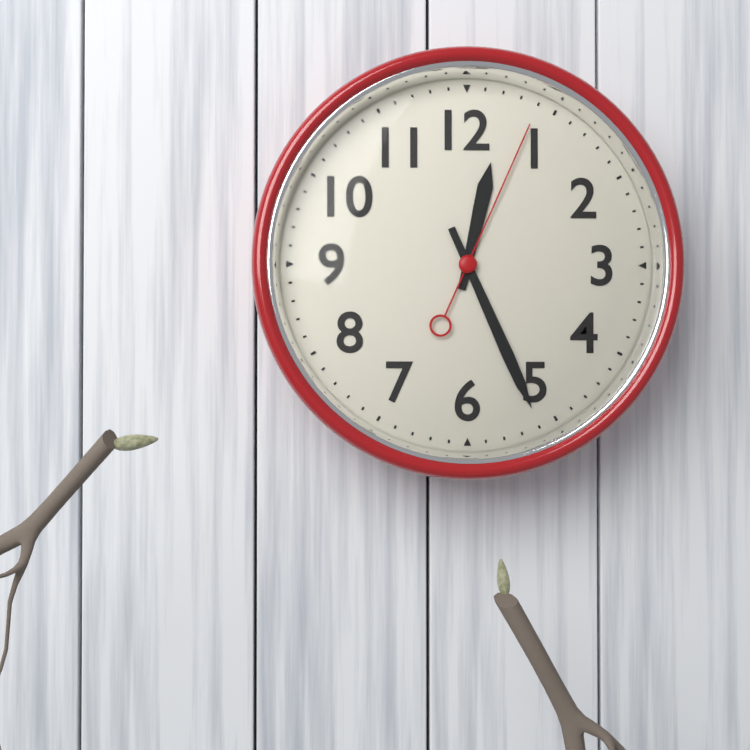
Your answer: **12:26:04**
